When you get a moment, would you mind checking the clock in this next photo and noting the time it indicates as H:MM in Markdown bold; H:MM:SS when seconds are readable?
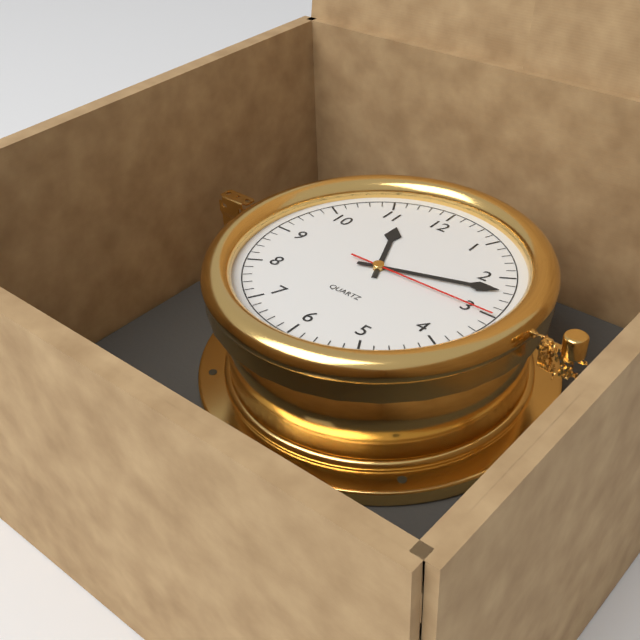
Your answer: **11:12:15**
